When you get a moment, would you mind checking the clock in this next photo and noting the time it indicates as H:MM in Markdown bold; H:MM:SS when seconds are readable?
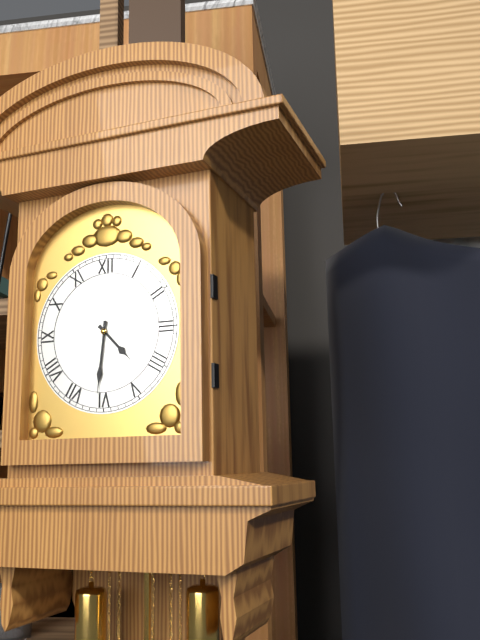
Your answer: **4:31**
